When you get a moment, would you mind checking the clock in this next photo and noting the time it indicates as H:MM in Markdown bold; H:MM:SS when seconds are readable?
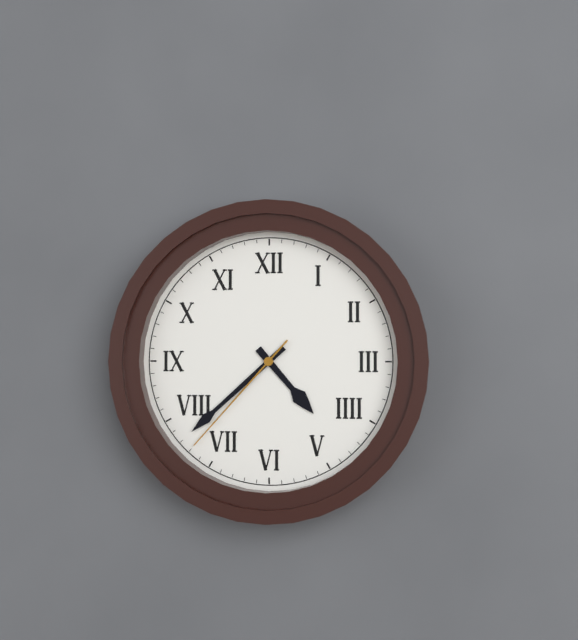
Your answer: **4:38:37**
